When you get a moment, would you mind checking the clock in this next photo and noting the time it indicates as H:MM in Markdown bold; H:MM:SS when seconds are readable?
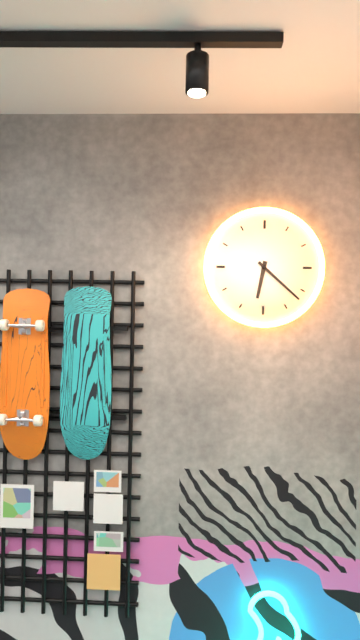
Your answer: **6:22**
